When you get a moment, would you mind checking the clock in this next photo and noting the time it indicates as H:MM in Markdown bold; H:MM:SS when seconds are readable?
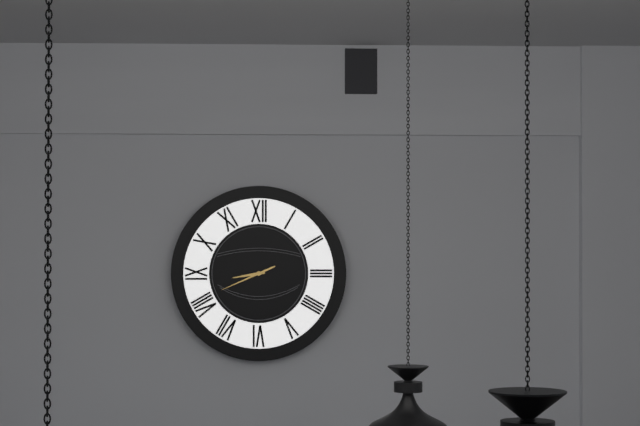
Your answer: **8:41**
